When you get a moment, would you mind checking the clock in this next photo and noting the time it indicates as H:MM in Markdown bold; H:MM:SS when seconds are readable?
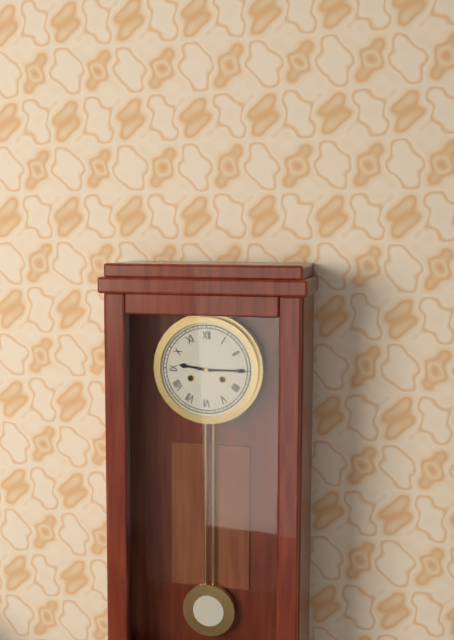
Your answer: **9:15**
